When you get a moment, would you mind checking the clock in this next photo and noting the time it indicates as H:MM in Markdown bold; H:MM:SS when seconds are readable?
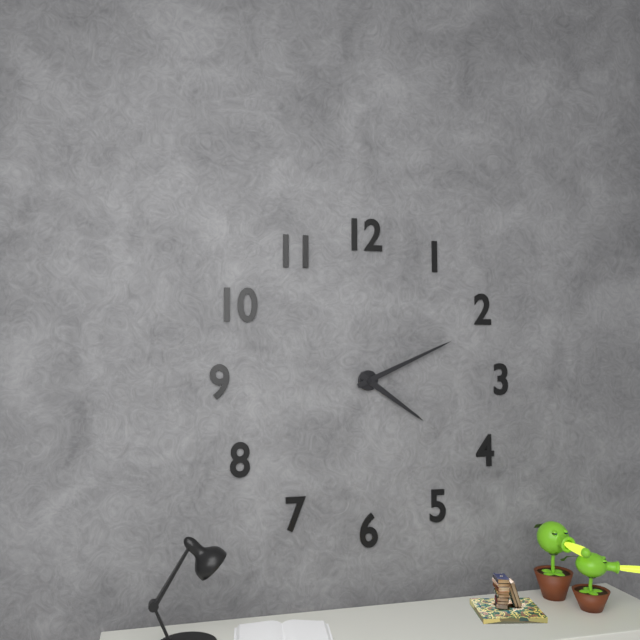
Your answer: **4:11**
